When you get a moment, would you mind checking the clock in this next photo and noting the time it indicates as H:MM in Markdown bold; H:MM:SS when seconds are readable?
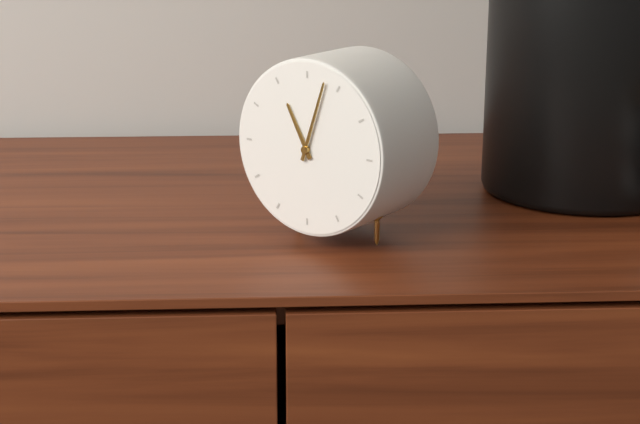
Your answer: **11:03**
